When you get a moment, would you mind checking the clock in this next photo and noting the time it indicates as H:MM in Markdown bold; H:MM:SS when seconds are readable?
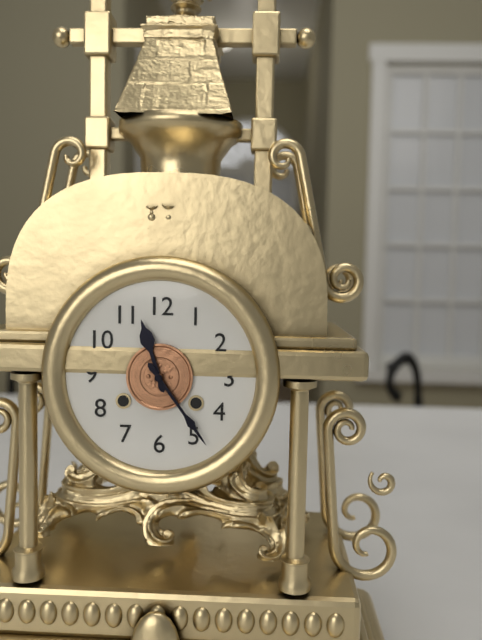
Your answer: **11:24**
